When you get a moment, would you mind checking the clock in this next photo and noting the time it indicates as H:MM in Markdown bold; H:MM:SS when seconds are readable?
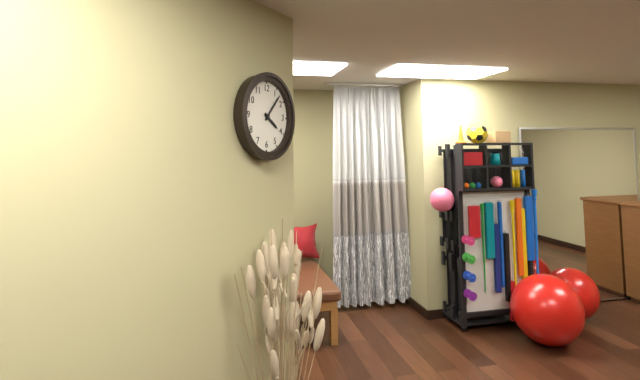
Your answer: **4:07**
